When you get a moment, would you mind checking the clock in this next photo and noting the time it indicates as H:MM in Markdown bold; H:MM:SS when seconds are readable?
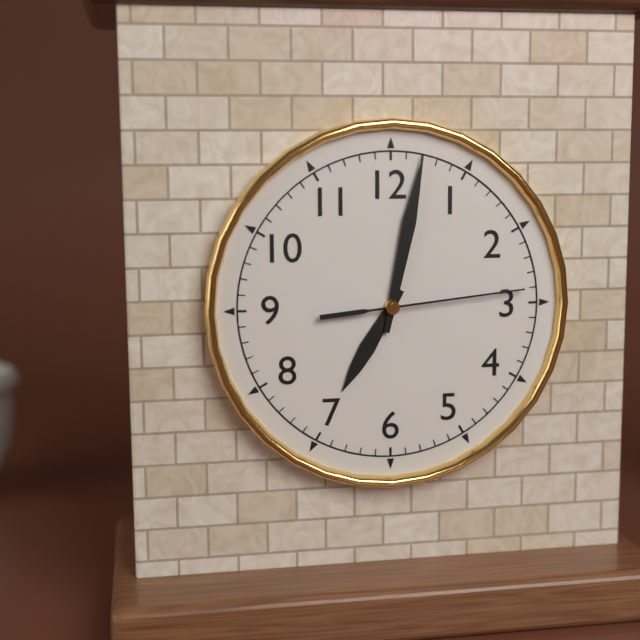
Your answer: **7:02:14**
